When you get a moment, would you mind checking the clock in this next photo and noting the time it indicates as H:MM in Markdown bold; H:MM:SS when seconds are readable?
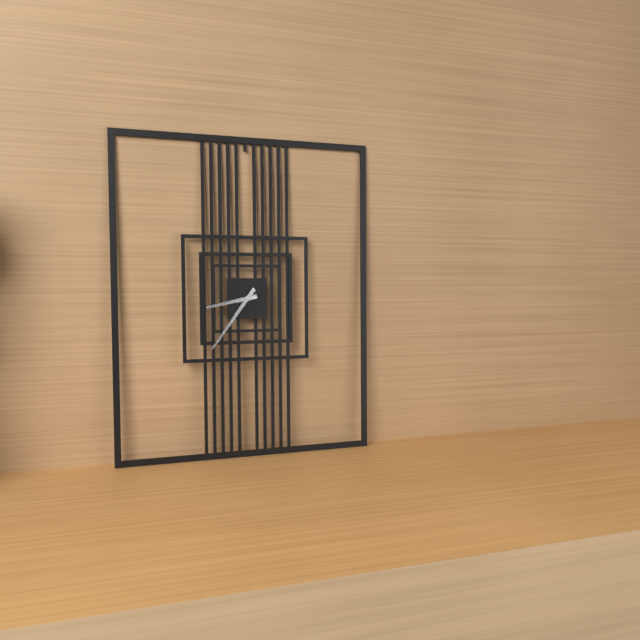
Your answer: **8:36**
